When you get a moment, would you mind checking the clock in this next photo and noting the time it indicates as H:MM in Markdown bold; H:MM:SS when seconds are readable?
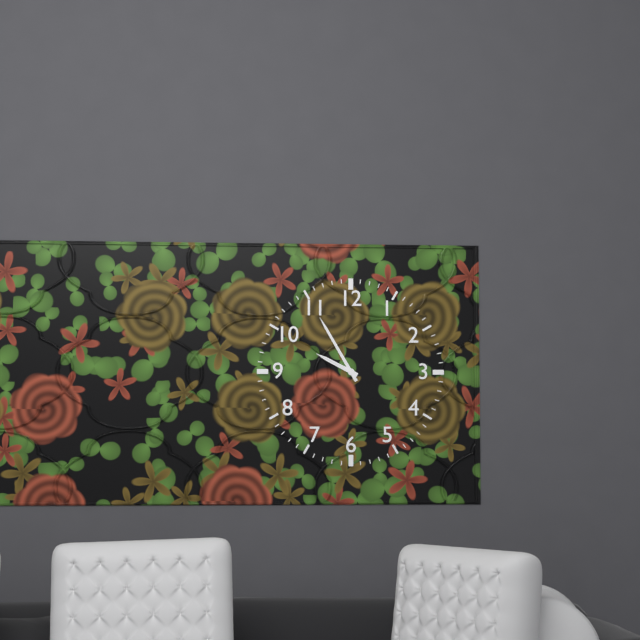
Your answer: **9:55**
